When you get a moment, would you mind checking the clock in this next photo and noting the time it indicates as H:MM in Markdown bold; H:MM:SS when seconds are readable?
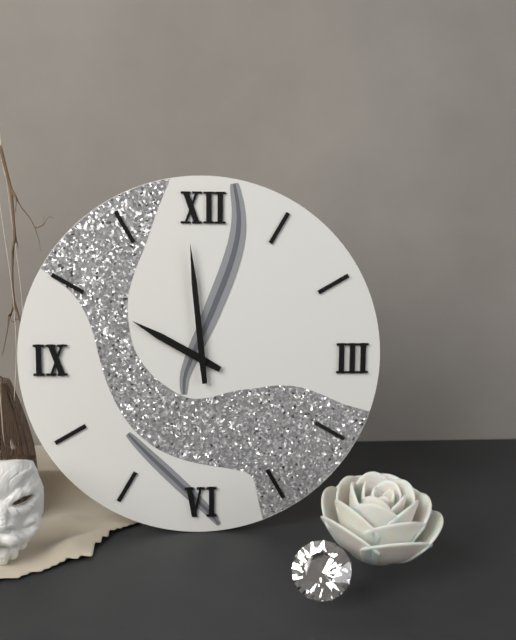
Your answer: **9:59**
